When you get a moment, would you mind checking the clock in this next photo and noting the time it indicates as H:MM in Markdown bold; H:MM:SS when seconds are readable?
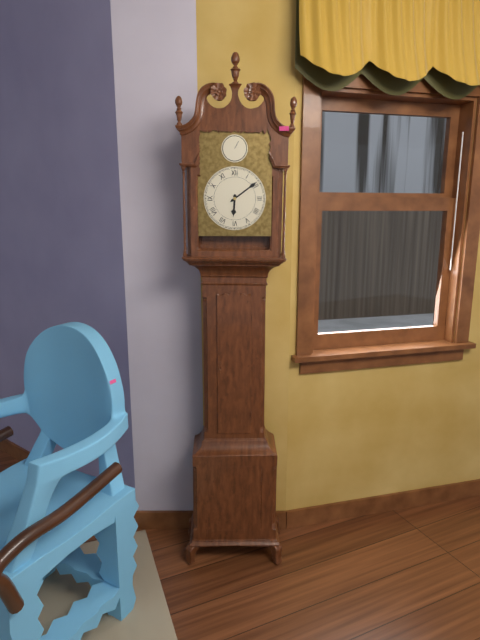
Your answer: **6:09**
